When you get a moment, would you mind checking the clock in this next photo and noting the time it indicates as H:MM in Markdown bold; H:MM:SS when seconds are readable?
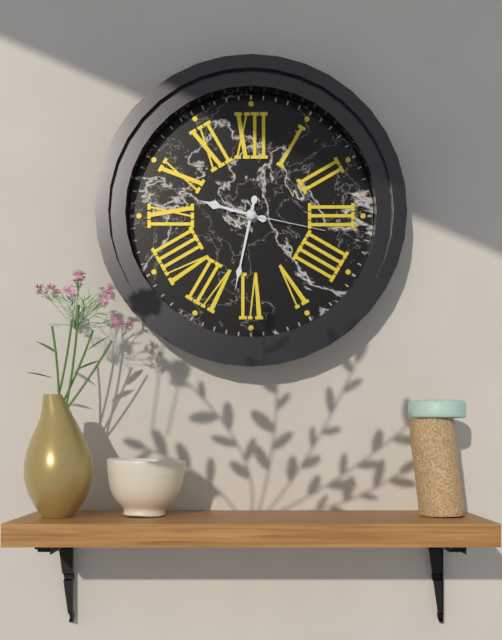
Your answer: **9:32:17**
